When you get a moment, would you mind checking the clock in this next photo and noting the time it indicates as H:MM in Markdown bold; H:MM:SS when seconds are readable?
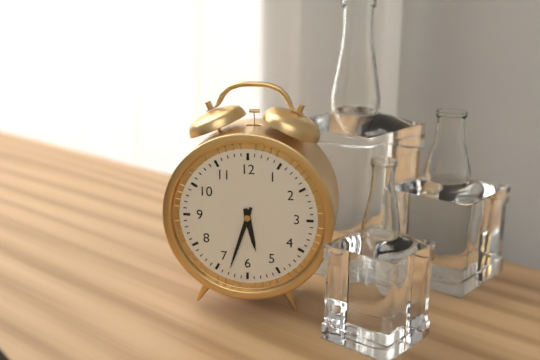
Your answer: **5:33**
